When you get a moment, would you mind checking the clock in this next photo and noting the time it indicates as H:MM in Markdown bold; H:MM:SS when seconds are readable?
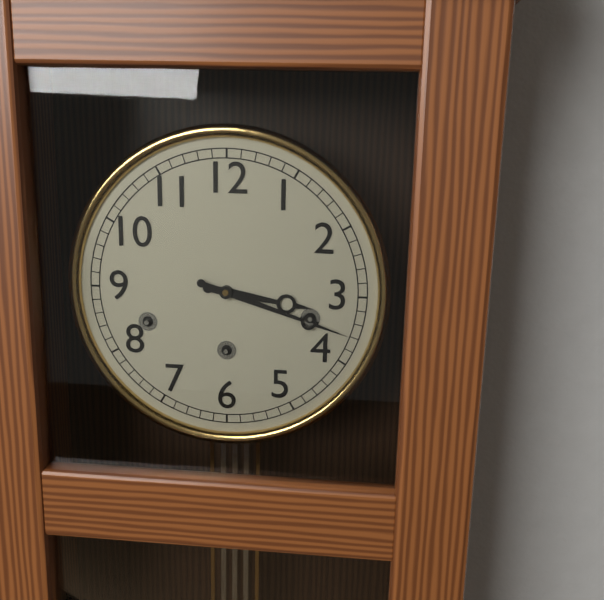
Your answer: **3:18**
